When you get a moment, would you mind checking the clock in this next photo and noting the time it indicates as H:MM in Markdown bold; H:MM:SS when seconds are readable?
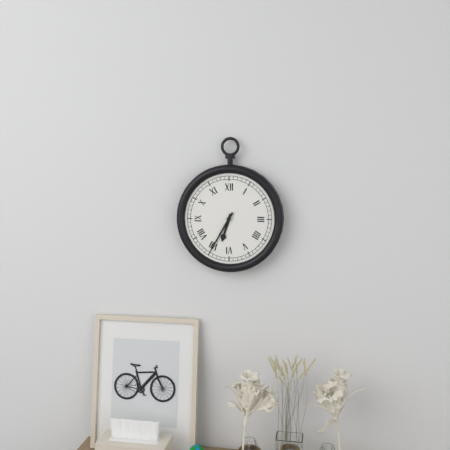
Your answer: **6:35**
